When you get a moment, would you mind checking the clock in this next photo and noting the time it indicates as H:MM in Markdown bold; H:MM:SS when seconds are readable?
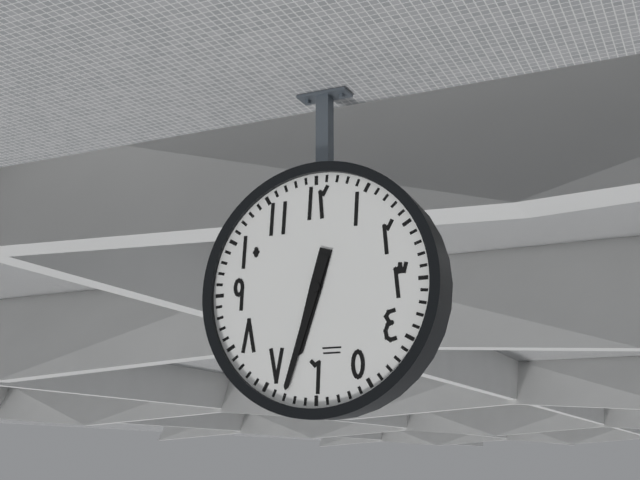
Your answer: **6:33**
